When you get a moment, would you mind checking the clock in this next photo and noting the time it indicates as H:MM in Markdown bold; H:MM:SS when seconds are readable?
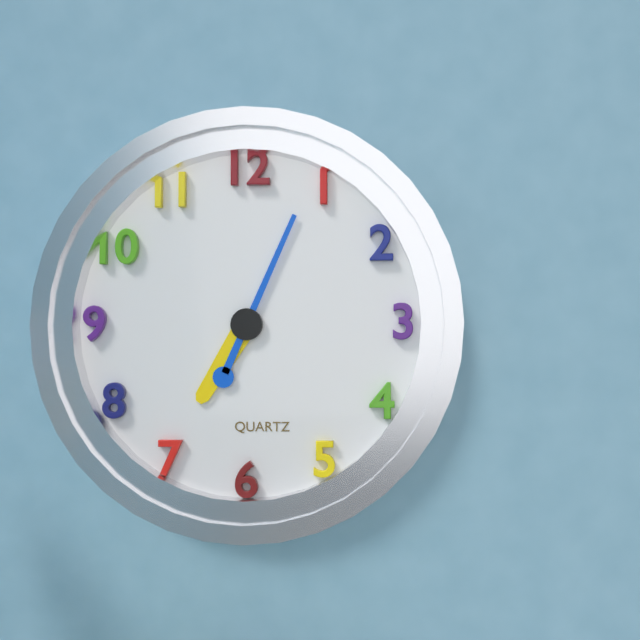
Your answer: **7:04**
